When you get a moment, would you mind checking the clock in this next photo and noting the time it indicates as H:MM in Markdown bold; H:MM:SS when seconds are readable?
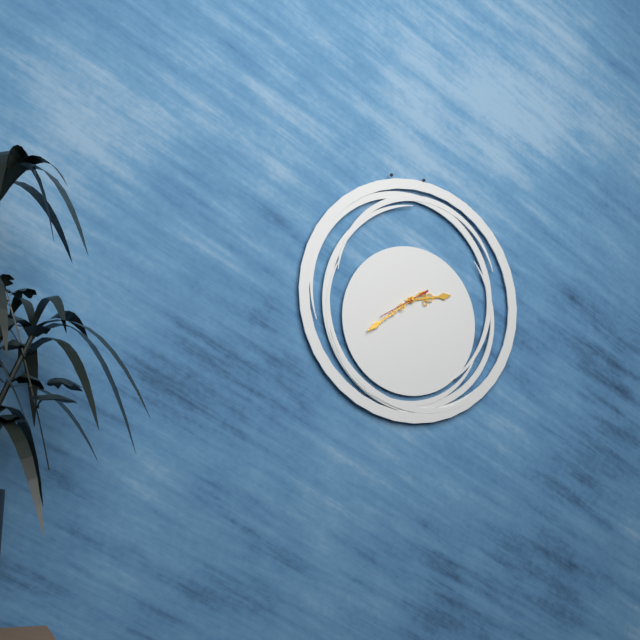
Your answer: **2:39**
